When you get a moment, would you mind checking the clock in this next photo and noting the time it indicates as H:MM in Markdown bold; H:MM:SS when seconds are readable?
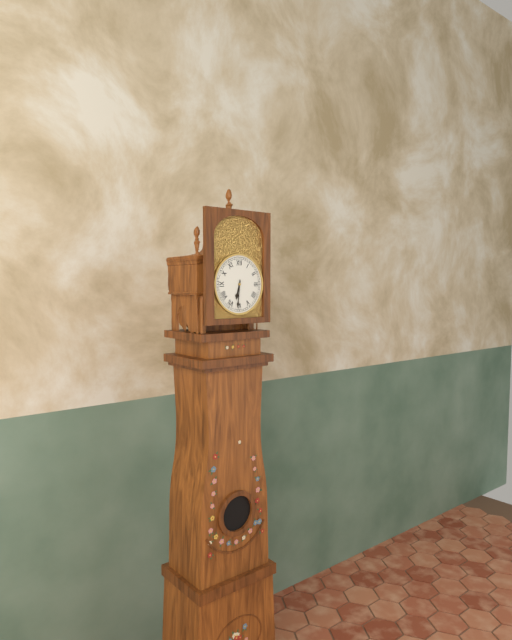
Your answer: **6:31**
